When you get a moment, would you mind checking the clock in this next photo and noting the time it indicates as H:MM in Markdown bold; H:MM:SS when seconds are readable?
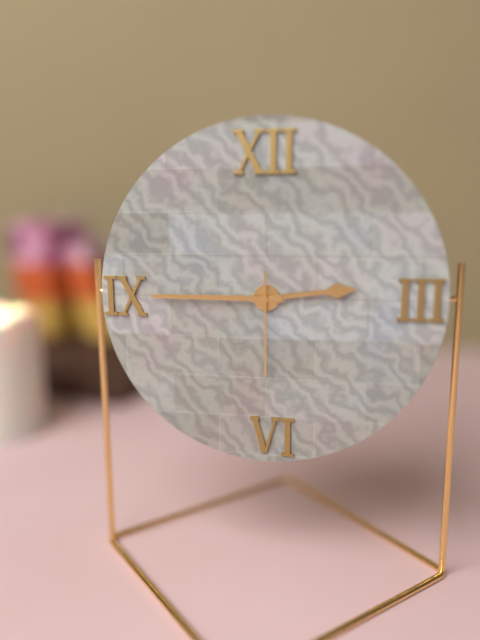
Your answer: **2:45:30**
